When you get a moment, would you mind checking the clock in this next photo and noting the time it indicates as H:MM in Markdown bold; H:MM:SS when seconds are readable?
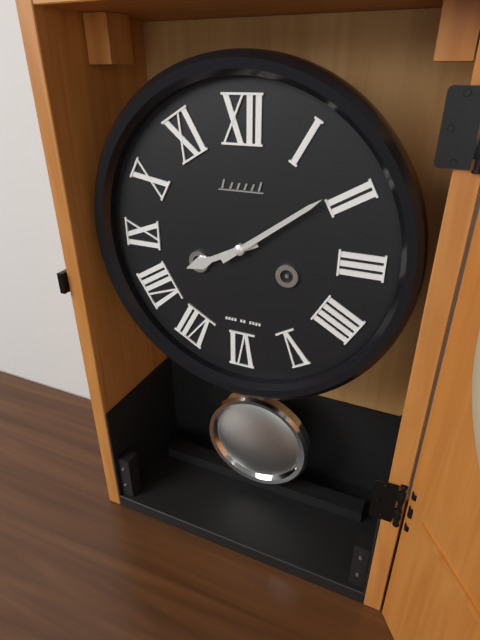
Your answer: **8:09**
